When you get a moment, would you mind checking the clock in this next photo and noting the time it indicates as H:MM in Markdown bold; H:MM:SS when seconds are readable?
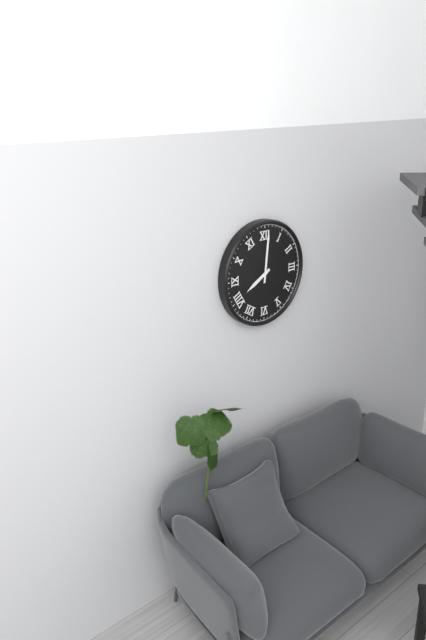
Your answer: **8:01**
